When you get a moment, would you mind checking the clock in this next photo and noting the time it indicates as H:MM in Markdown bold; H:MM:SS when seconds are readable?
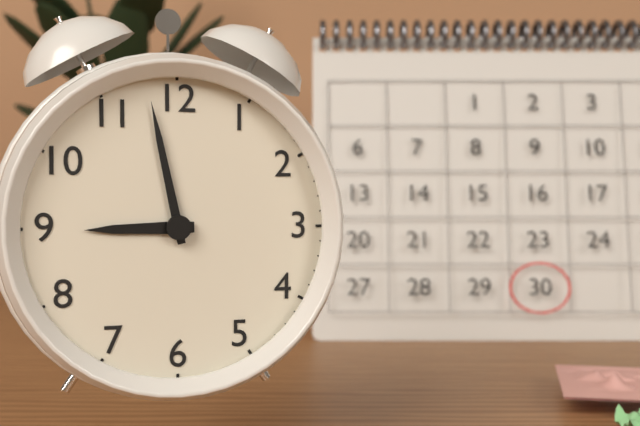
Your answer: **8:58**
